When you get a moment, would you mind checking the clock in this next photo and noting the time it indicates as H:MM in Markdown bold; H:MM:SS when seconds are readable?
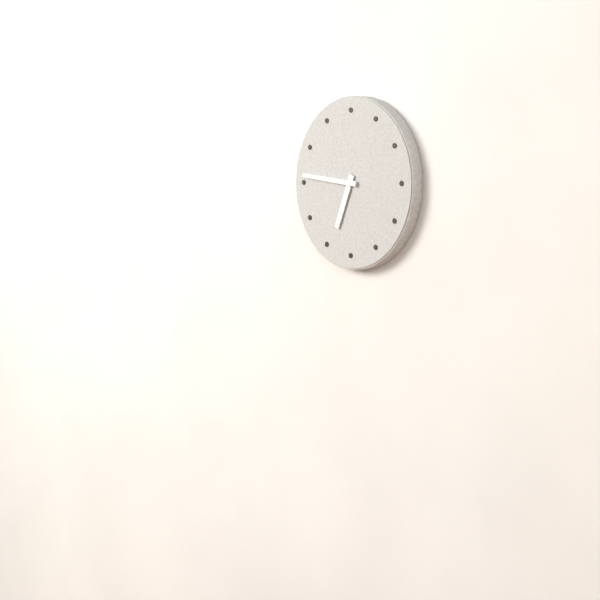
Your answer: **6:46**
